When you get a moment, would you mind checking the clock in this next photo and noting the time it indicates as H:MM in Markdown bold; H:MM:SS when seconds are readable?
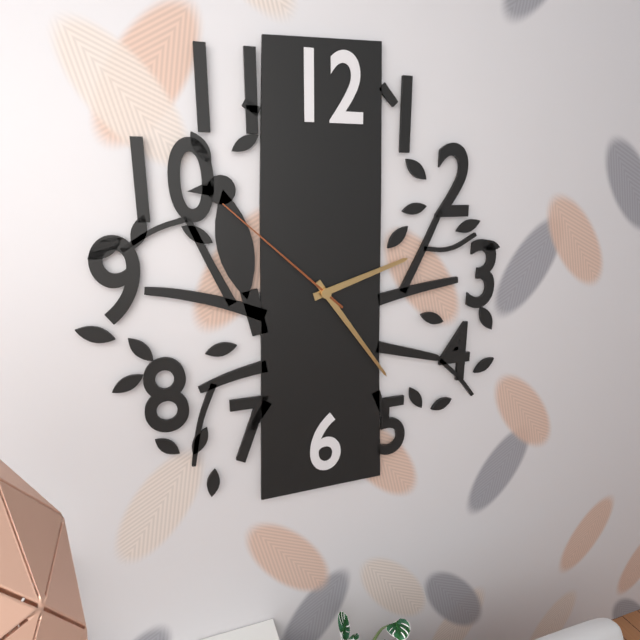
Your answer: **2:24:52**
